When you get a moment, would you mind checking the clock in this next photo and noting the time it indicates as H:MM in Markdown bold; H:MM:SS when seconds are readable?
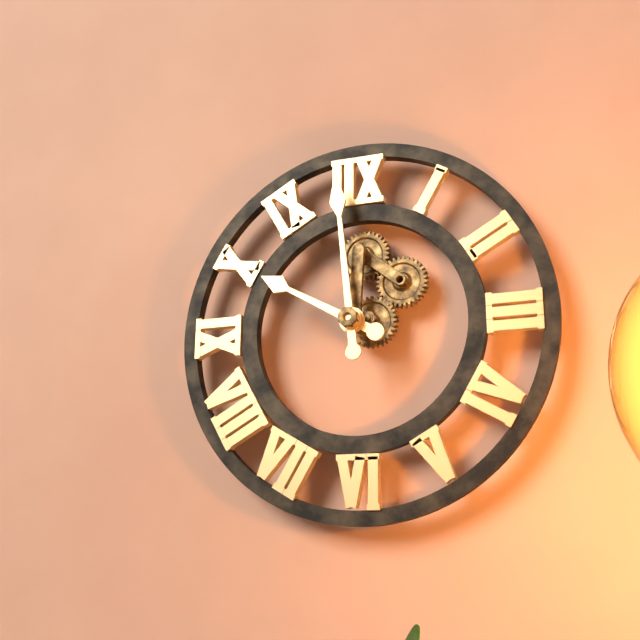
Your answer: **9:59**
